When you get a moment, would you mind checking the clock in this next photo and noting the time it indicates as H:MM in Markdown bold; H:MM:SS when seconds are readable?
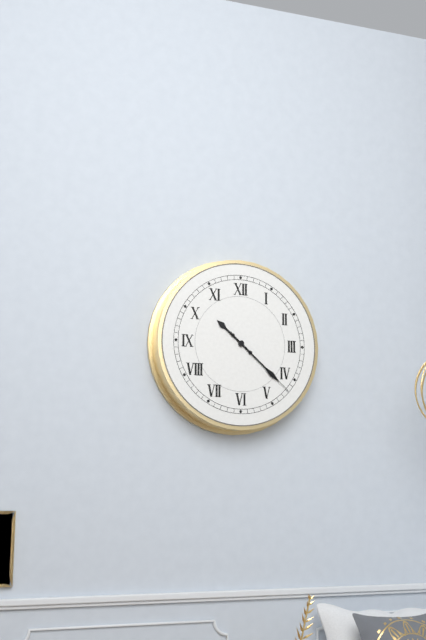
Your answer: **10:22:22**
